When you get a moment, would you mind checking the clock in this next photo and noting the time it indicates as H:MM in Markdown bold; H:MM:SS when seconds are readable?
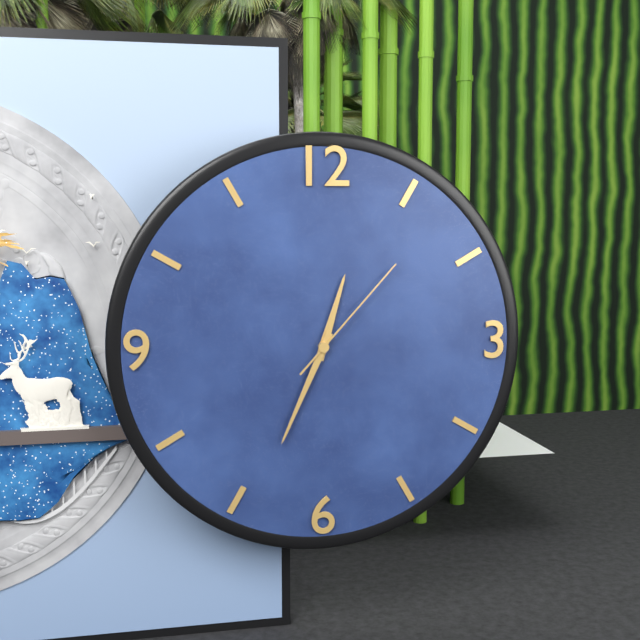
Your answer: **12:34:07**
